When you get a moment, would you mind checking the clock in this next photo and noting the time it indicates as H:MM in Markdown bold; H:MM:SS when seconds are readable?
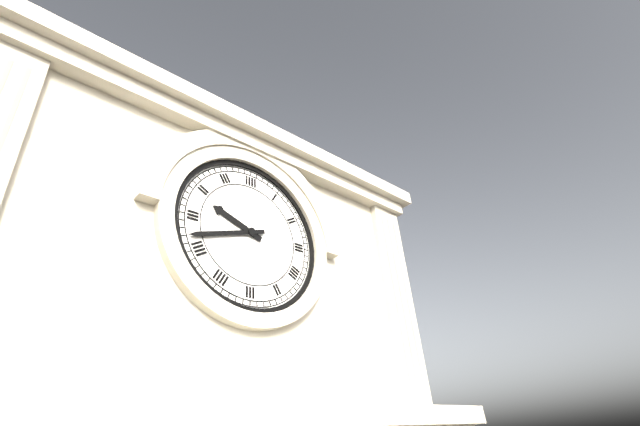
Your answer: **9:42**
